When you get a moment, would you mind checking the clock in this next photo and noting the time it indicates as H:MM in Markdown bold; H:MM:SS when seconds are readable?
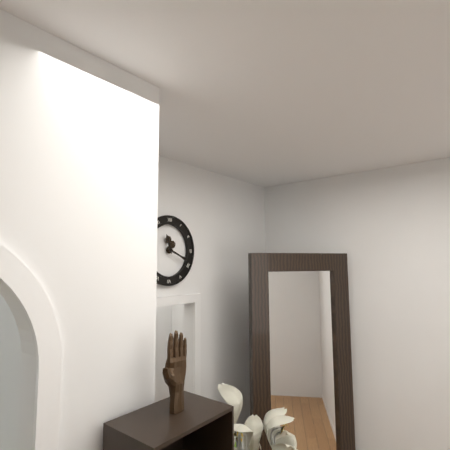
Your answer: **11:19**
